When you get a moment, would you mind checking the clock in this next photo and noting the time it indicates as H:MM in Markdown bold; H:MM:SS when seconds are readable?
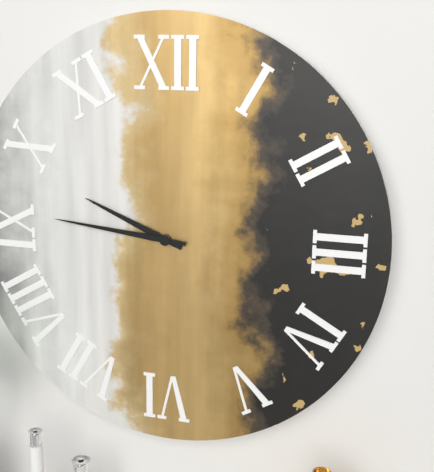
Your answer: **9:46**
